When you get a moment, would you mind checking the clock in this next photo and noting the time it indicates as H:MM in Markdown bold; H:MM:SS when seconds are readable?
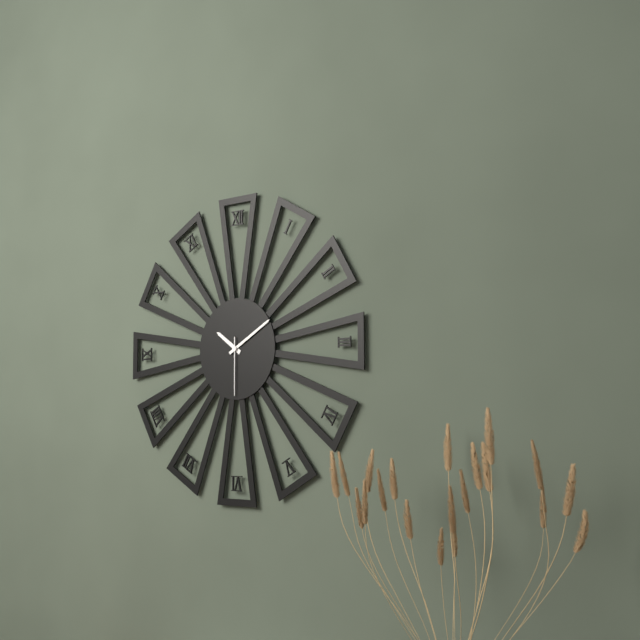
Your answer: **10:10:30**
